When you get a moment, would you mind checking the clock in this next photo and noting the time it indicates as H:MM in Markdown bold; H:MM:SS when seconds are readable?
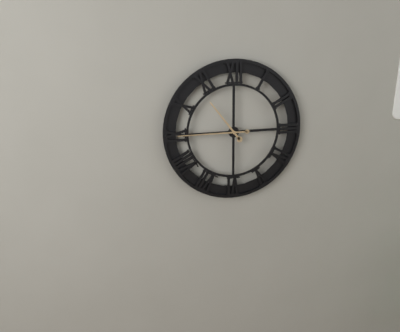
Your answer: **10:45**
